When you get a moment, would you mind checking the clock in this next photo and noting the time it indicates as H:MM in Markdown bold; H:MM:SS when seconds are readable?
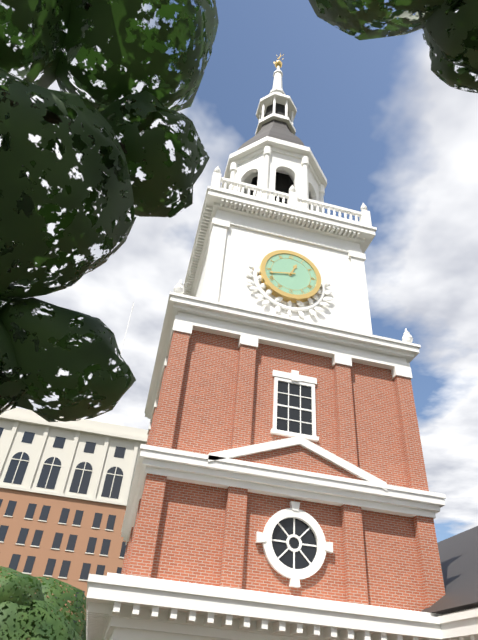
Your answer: **12:43**
